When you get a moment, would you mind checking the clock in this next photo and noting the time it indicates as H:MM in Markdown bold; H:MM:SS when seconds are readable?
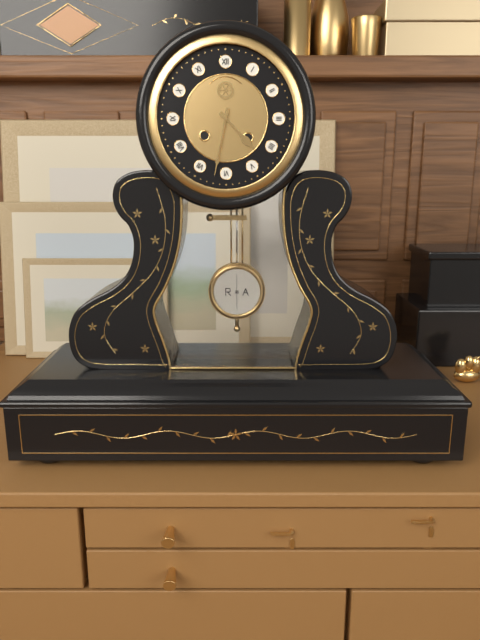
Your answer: **4:32**
